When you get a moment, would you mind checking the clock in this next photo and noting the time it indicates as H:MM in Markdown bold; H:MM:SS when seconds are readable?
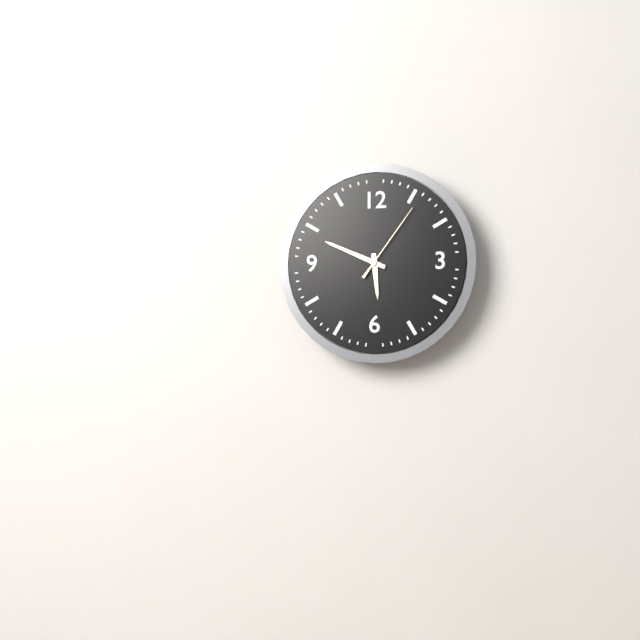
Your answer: **5:49:06**
